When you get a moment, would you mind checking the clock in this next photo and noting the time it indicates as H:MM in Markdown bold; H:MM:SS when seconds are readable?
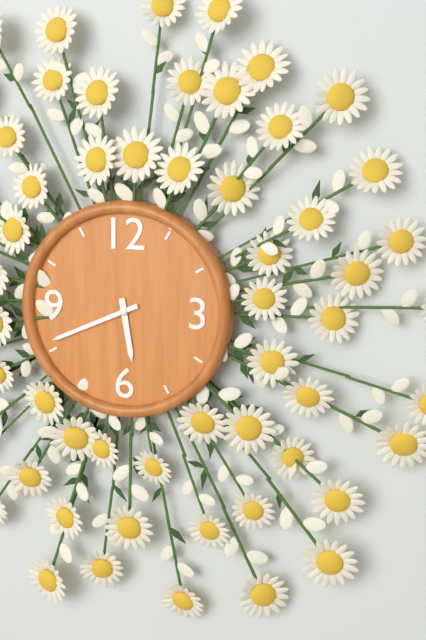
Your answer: **5:41**
